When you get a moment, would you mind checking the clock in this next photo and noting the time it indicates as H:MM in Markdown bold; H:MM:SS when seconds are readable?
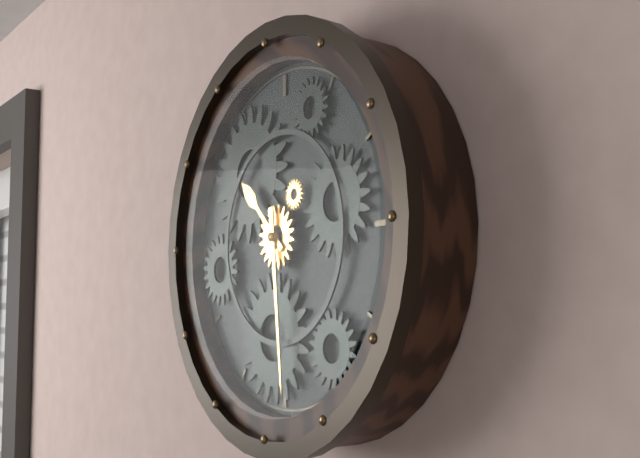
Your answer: **10:29**
